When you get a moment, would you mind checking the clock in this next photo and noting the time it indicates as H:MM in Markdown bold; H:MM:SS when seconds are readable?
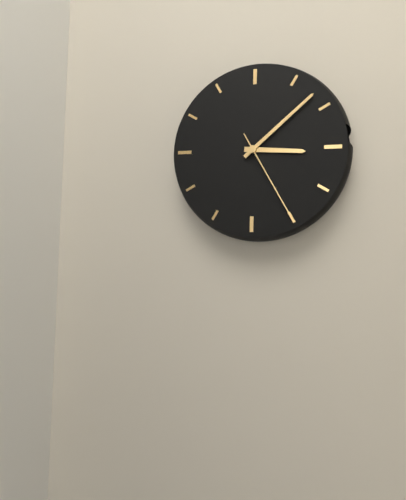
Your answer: **3:08:25**
